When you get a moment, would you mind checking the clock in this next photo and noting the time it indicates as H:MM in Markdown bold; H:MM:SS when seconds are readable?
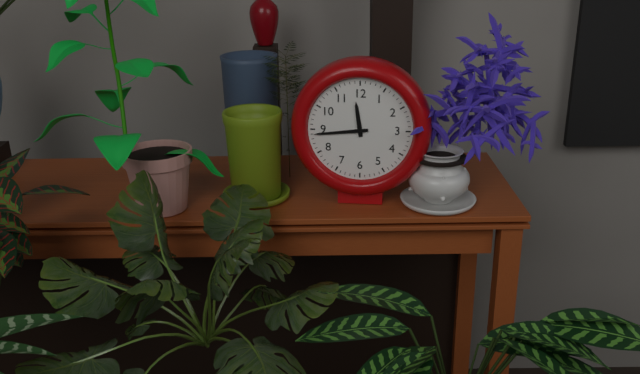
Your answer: **11:44**
